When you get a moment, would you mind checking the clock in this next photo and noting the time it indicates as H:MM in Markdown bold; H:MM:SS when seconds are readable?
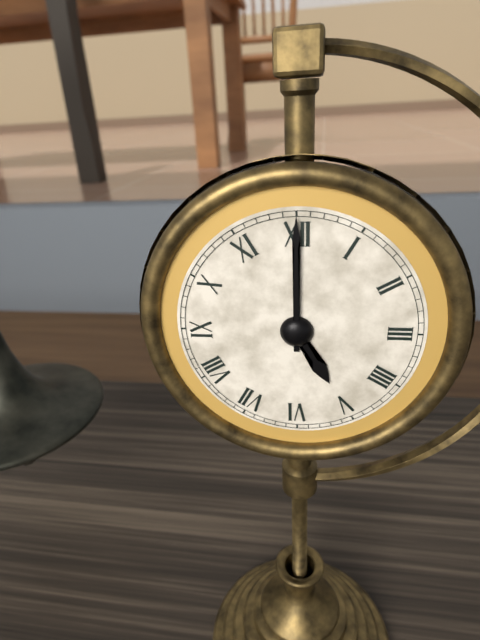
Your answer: **5:00**
